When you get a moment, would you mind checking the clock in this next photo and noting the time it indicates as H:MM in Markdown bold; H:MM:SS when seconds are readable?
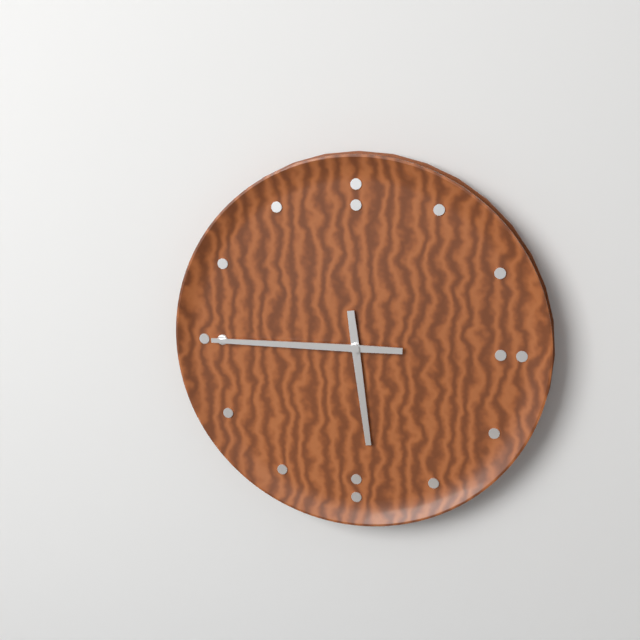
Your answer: **5:45**
